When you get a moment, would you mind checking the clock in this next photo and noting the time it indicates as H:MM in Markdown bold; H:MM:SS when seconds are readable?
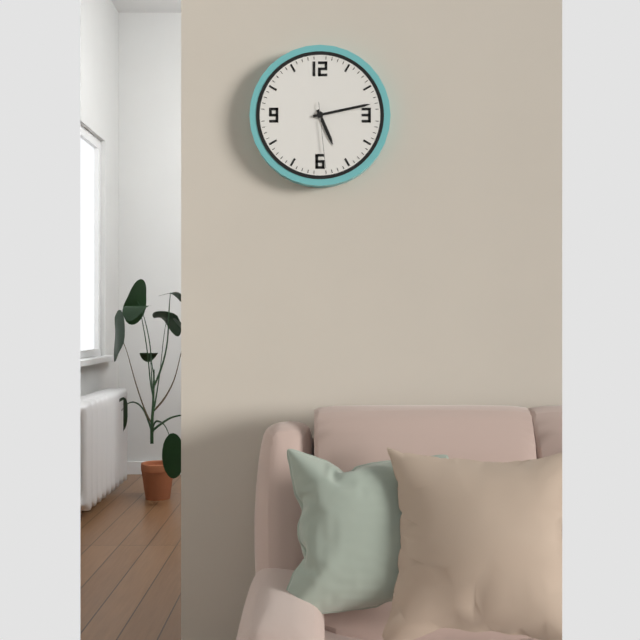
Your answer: **5:13:29**
